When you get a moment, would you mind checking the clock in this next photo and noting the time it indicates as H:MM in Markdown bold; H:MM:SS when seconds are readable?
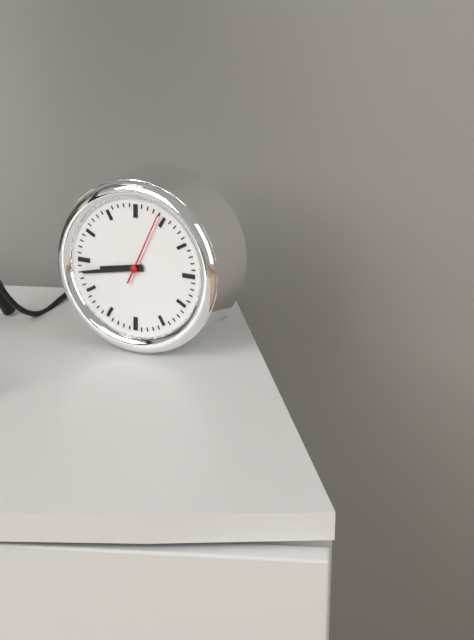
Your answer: **8:43:04**
